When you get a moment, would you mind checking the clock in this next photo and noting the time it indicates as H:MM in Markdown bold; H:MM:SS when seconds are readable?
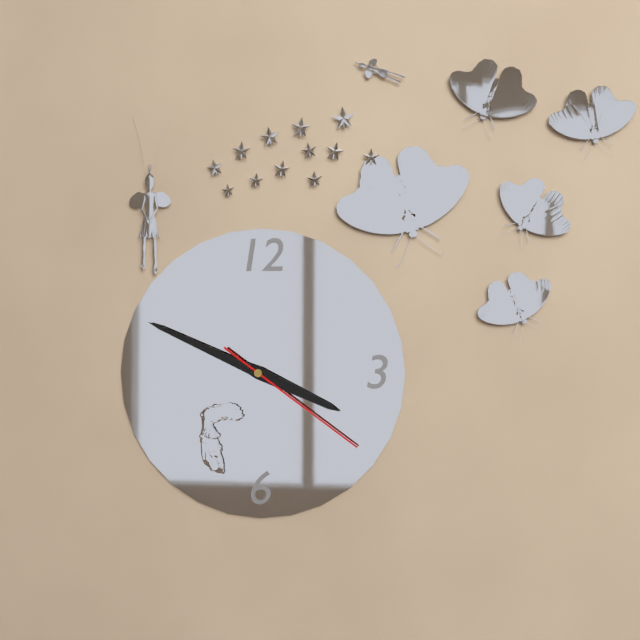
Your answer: **3:49:21**
